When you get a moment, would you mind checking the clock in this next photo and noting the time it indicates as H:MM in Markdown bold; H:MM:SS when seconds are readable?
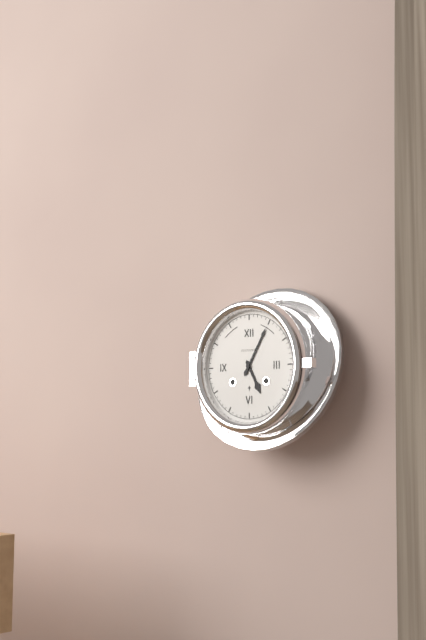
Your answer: **5:05**
